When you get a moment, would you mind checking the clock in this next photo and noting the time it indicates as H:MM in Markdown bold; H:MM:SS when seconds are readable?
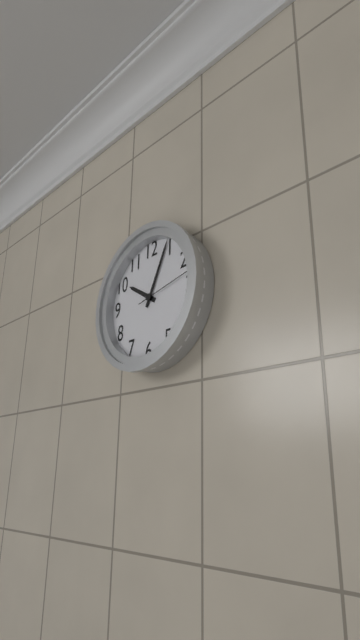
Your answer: **10:04:13**
